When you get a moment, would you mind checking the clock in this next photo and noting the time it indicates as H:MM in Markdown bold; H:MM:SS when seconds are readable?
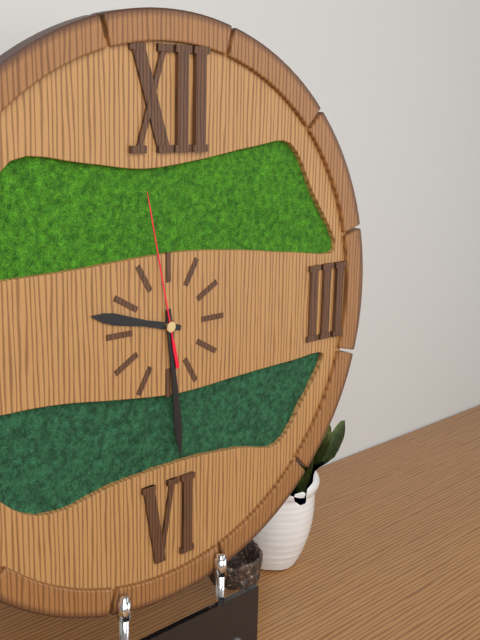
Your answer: **9:29:58**
